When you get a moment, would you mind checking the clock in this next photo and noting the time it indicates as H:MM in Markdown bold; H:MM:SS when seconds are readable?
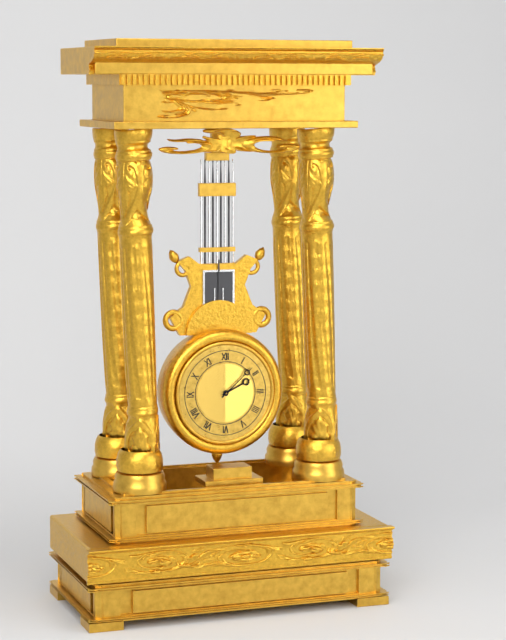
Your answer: **2:08**
